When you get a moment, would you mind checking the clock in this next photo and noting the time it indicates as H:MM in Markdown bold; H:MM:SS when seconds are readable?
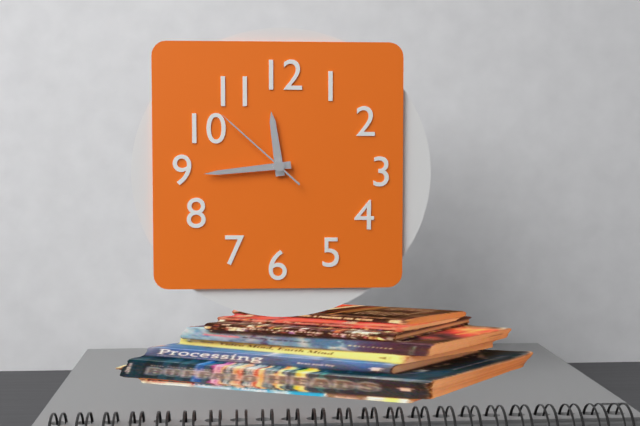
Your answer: **11:44:52**
